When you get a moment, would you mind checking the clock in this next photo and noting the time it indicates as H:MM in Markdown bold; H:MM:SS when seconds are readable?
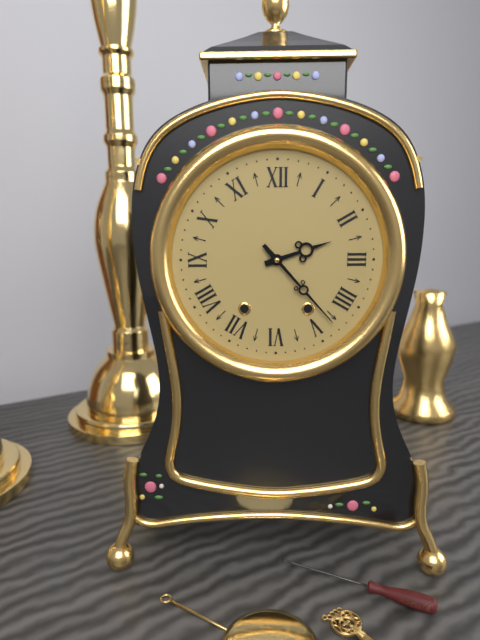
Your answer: **2:23**
